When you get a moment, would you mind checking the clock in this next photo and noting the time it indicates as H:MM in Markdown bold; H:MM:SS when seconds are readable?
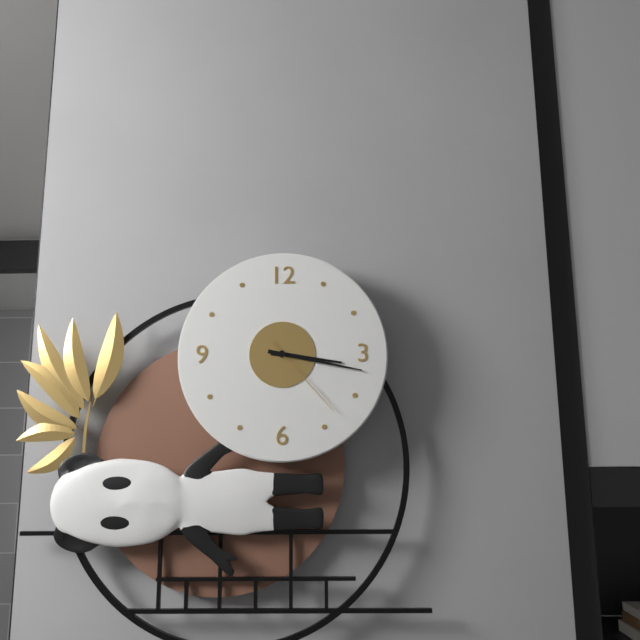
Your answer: **3:17:23**
